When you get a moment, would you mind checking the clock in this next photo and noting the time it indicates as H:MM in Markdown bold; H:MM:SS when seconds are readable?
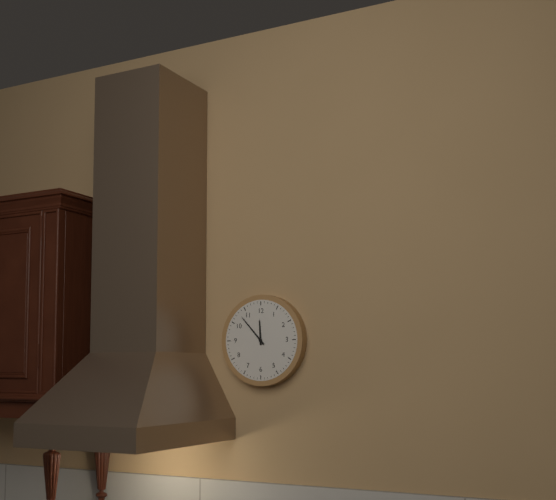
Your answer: **11:53**
